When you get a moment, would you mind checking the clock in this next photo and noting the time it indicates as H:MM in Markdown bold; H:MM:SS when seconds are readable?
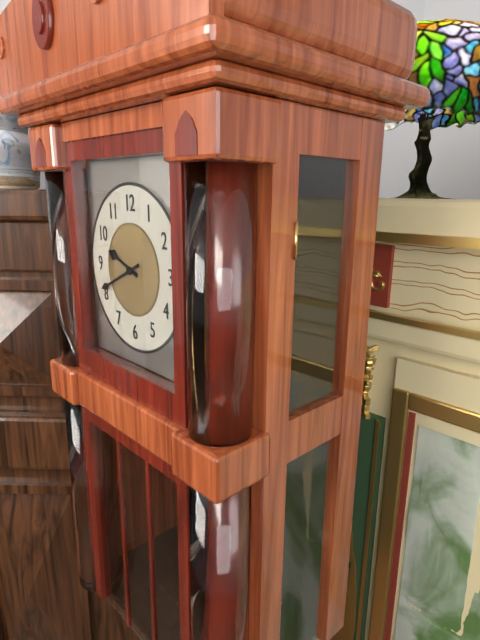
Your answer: **9:41**
